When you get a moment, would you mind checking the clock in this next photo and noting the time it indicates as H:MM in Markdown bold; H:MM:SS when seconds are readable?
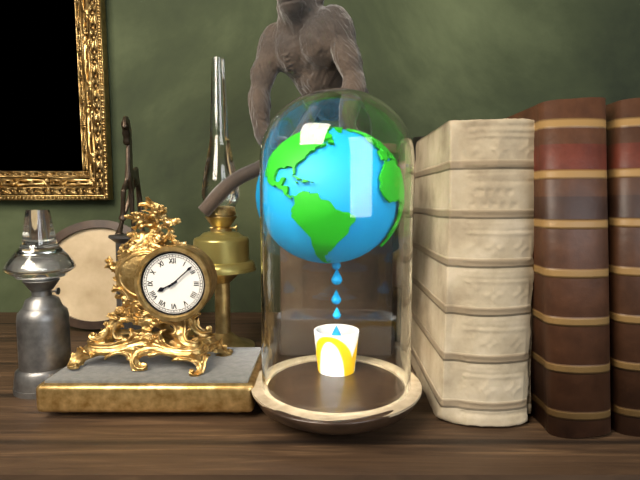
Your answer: **8:08**
